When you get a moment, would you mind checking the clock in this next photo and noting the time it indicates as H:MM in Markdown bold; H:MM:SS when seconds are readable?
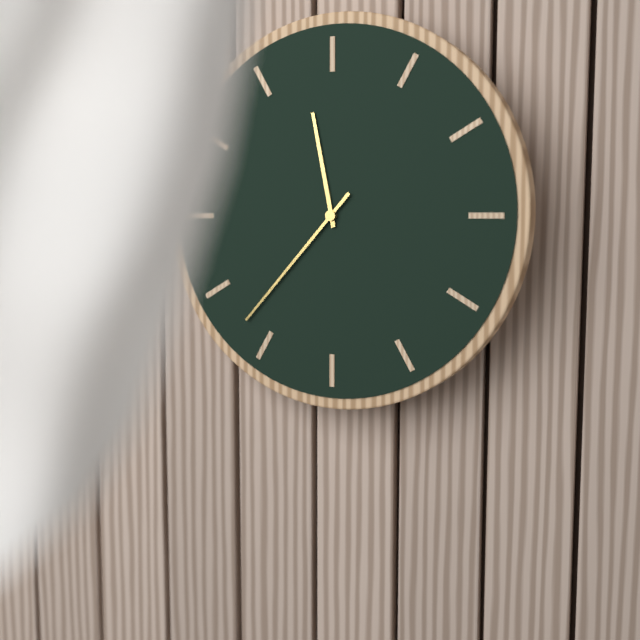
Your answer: **11:37**
